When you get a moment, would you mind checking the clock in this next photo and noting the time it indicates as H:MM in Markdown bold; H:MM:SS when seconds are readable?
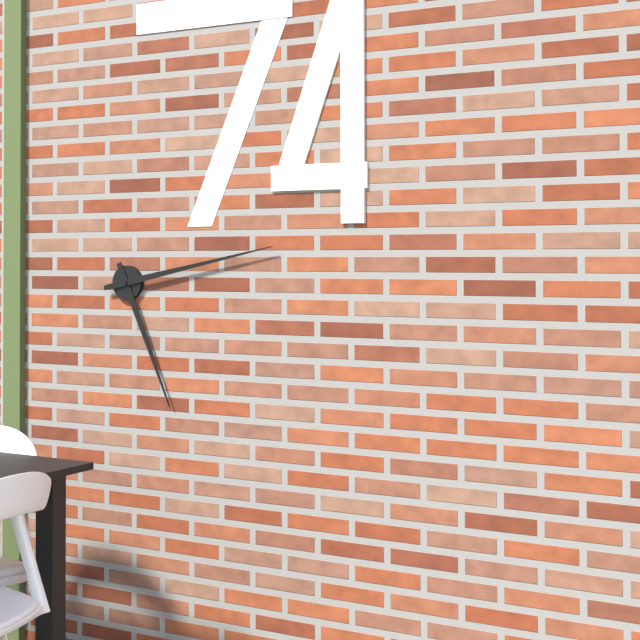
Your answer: **5:13**
